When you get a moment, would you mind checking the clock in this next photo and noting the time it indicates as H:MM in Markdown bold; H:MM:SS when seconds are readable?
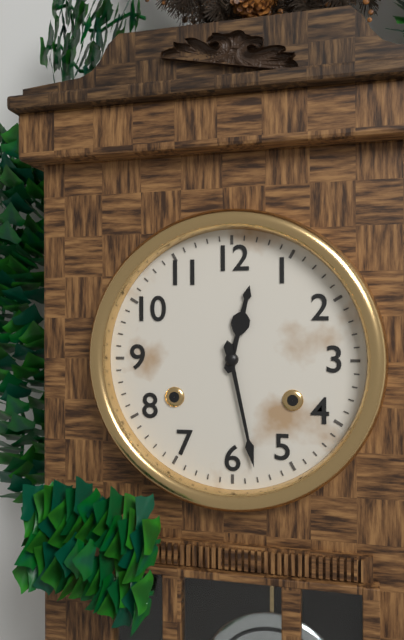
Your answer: **12:28**
